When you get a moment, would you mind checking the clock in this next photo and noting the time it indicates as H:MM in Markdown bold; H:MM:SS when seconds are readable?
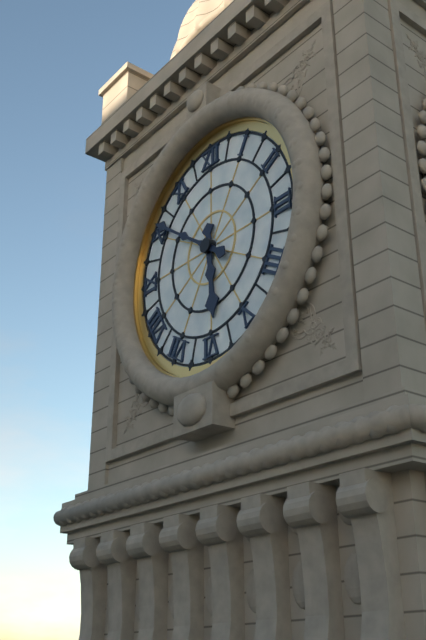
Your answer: **5:51**
